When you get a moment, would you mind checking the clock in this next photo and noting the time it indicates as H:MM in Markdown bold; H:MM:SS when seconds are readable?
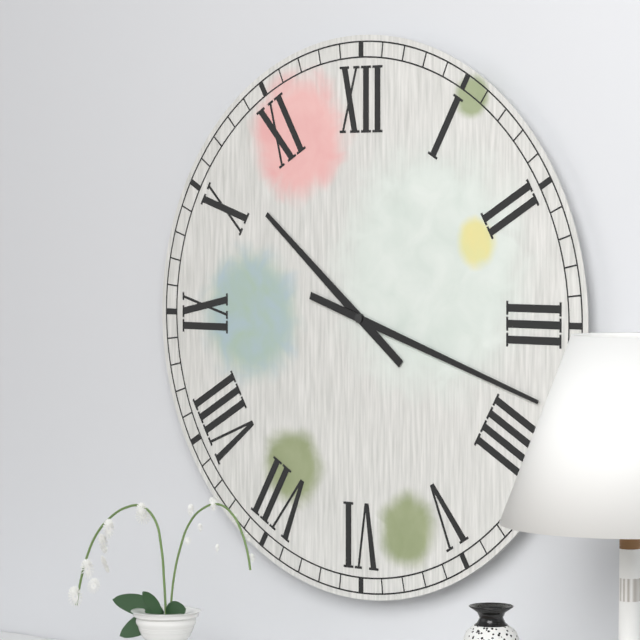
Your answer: **10:18**
